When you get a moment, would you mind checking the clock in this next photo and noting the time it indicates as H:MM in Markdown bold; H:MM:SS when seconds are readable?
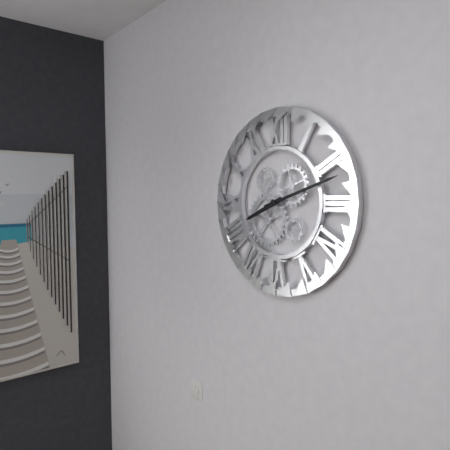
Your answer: **8:12**
